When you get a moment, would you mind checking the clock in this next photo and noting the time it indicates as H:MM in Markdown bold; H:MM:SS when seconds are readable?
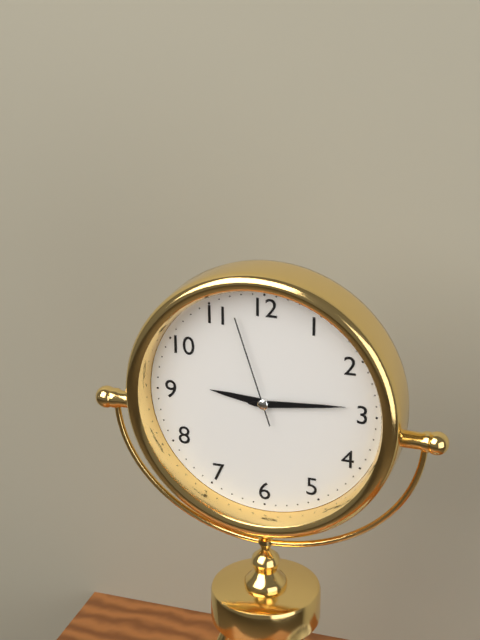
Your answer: **9:14:57**
